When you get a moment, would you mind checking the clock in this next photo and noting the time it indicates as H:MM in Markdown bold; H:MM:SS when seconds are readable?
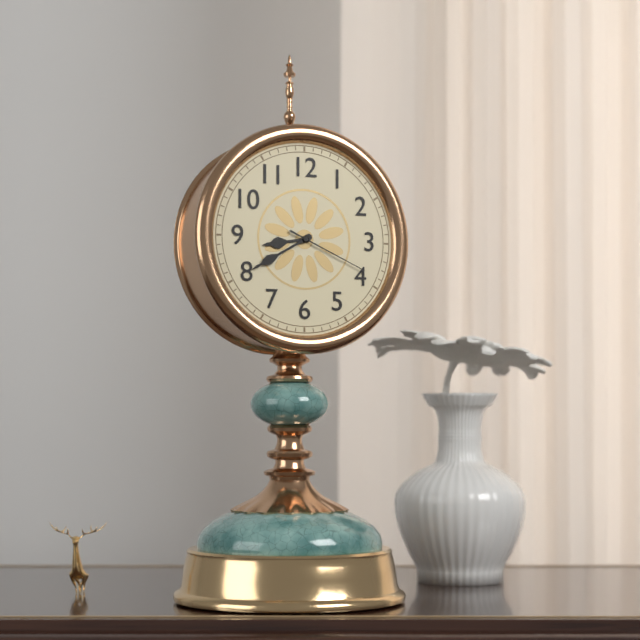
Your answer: **8:40:19**
